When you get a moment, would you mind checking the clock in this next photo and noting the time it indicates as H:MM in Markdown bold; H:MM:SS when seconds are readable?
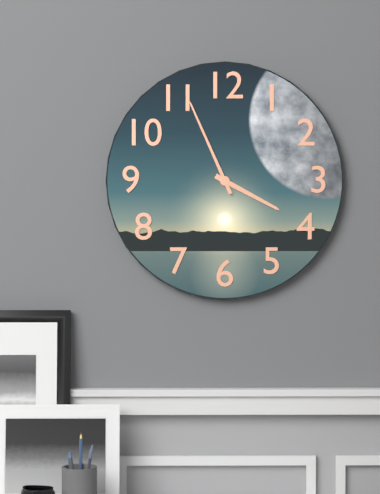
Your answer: **3:56**
